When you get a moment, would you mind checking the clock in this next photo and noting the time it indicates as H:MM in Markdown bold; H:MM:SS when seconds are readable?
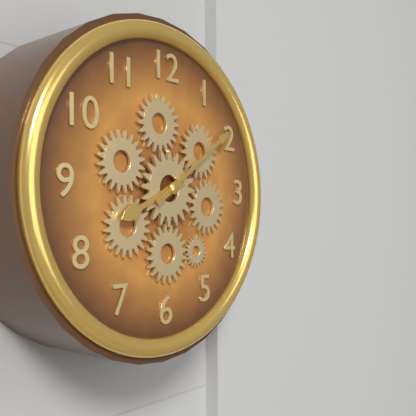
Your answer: **8:09**
